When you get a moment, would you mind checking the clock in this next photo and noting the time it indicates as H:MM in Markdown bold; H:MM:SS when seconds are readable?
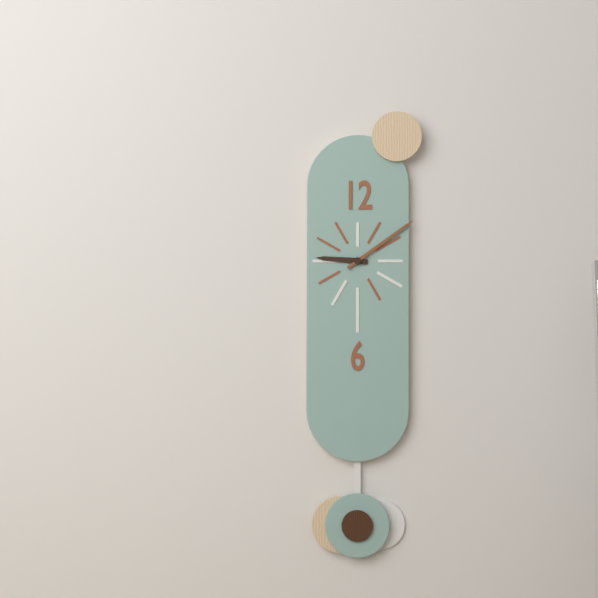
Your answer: **9:09**
